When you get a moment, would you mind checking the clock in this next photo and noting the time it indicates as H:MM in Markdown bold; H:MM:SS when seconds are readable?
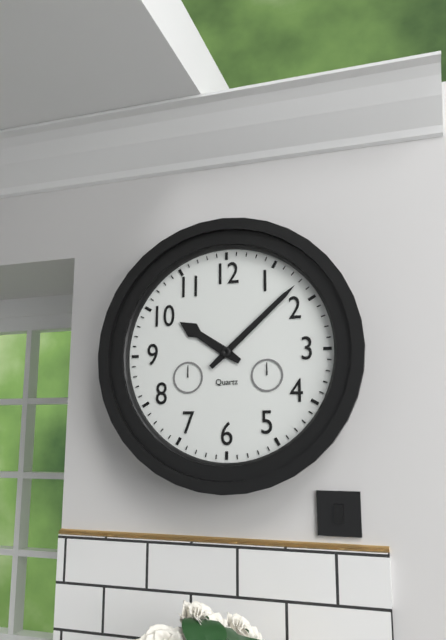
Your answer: **10:08**
